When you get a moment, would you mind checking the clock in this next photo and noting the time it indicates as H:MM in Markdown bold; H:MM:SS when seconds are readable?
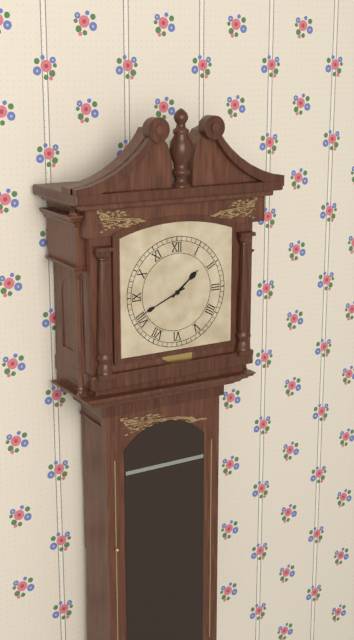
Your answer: **1:41**
